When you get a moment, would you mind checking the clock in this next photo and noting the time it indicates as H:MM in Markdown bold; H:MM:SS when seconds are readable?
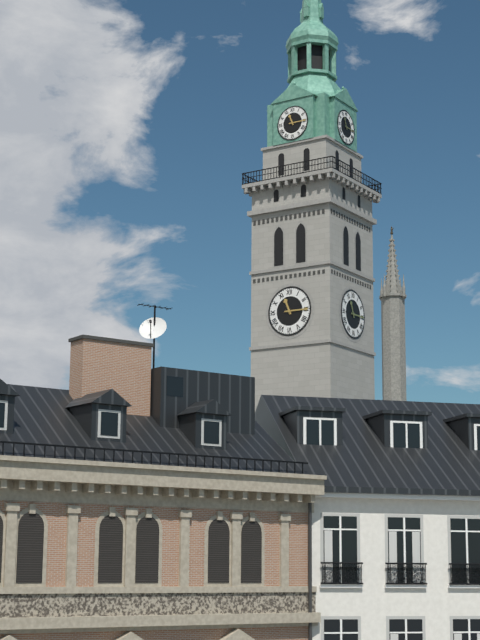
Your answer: **11:15**
